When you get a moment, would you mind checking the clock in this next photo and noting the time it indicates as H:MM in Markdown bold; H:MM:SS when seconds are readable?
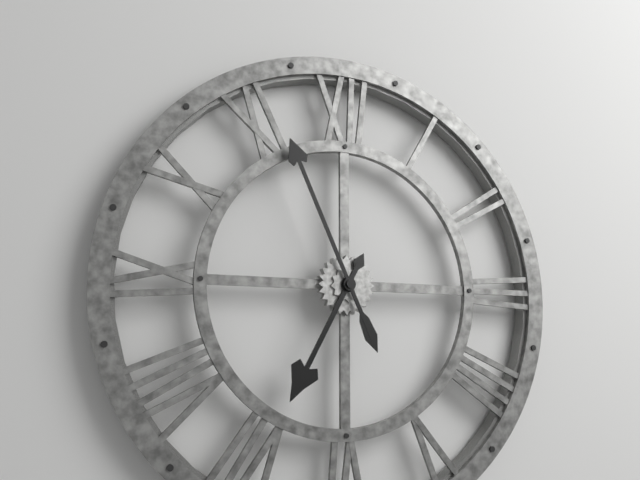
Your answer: **6:56**
